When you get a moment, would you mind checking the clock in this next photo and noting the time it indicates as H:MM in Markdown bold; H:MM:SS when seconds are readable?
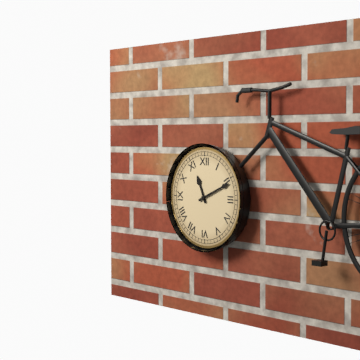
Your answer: **11:11**
